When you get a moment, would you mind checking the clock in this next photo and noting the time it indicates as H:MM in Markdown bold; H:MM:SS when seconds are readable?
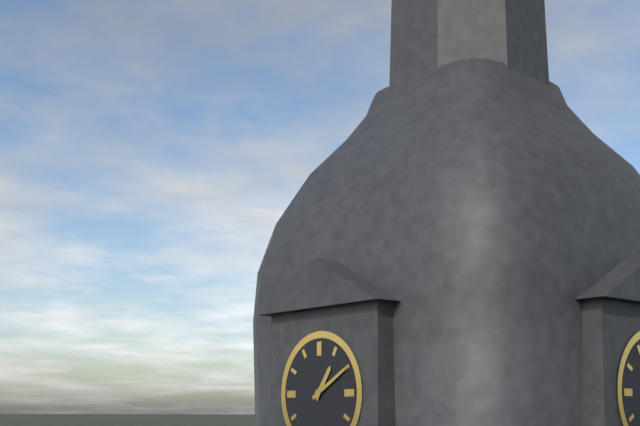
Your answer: **1:10**
